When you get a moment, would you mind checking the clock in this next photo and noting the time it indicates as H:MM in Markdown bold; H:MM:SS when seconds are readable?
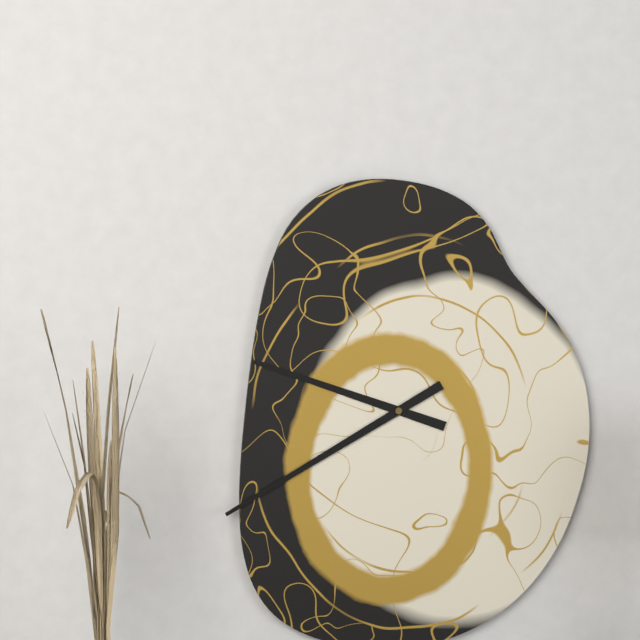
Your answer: **9:40**
